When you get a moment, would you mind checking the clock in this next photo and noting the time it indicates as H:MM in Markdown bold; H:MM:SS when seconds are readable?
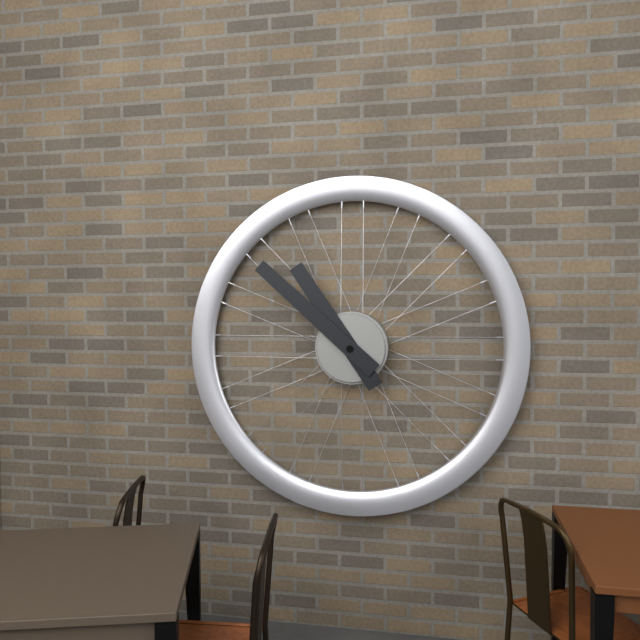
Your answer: **10:52**
